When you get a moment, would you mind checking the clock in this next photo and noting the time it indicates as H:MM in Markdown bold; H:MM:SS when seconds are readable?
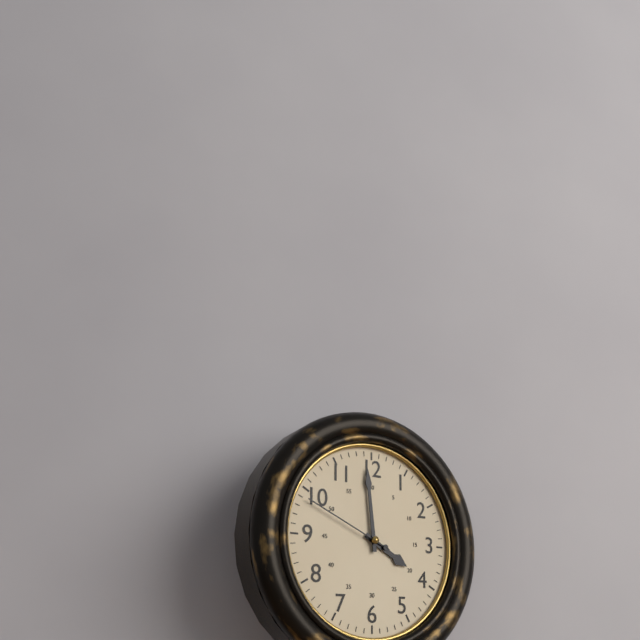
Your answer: **3:59:49**
